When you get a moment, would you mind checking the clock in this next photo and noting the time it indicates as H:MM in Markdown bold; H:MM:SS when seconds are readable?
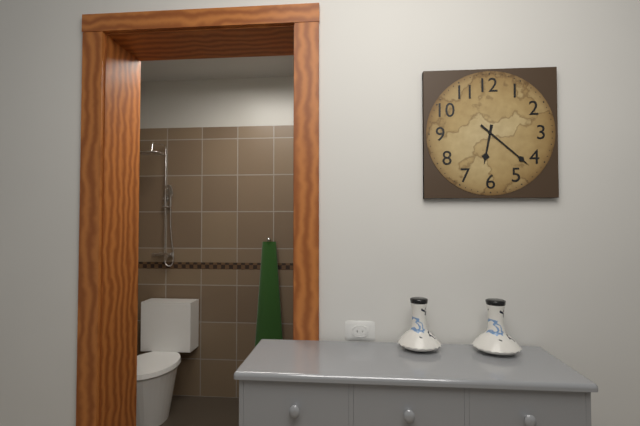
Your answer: **6:22**
